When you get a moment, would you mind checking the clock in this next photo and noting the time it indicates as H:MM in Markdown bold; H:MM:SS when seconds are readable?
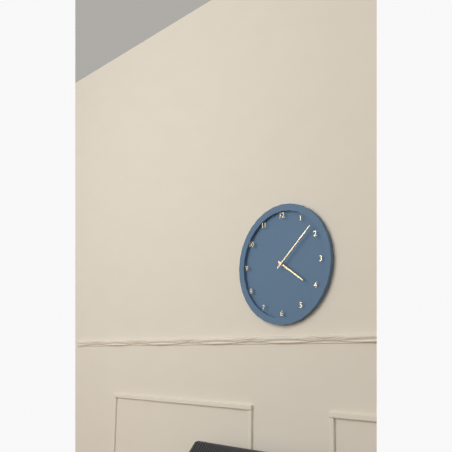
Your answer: **4:08**
